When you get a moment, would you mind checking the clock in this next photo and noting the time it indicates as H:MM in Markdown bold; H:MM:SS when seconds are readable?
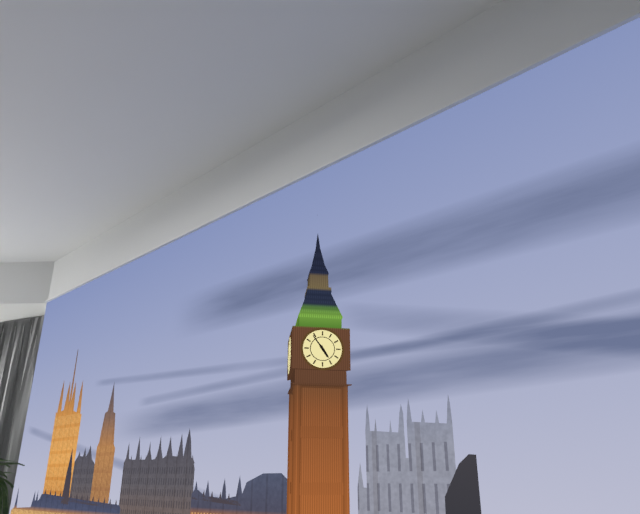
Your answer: **4:54**
